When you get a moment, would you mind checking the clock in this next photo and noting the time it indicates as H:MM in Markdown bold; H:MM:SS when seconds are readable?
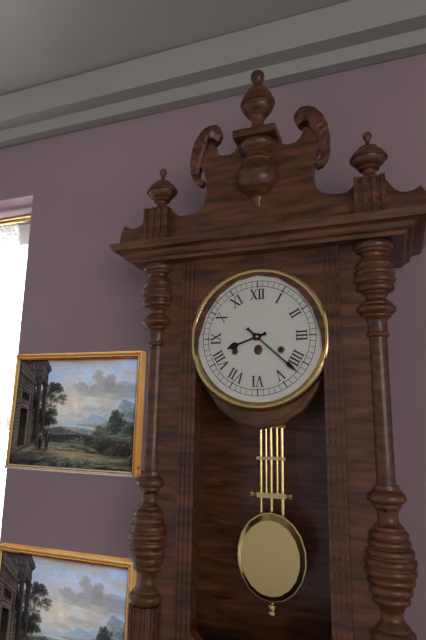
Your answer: **8:22**
